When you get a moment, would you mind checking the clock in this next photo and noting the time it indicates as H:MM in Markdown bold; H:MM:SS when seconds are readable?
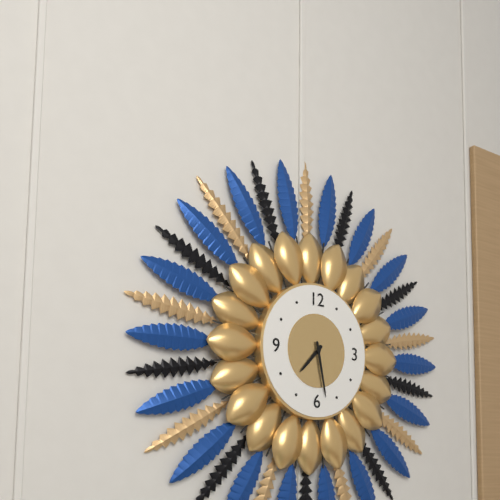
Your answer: **7:28**
